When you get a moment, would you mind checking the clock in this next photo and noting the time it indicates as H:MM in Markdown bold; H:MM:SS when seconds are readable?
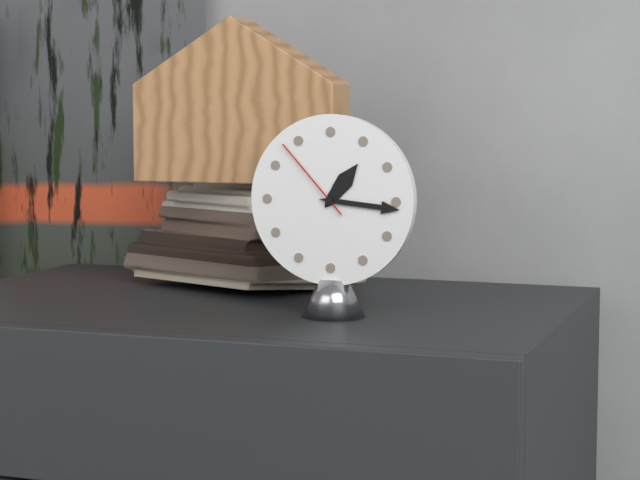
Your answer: **1:16:53**
